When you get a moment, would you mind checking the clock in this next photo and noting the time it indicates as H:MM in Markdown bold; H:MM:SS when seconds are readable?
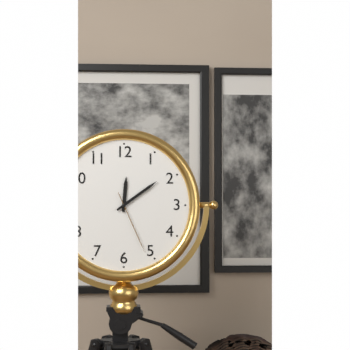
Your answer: **12:09:26**
